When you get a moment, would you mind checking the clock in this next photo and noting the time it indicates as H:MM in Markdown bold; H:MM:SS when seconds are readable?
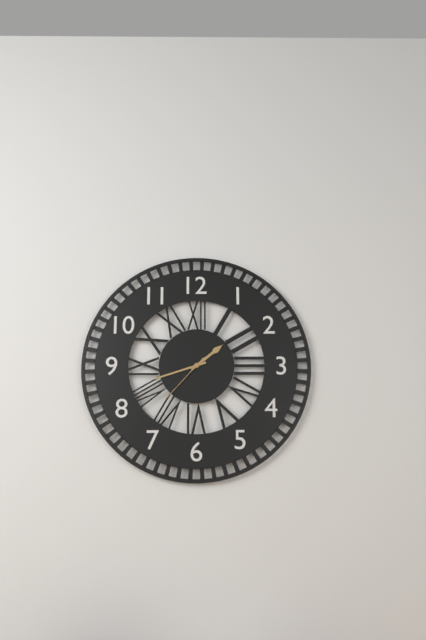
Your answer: **1:42:37**
